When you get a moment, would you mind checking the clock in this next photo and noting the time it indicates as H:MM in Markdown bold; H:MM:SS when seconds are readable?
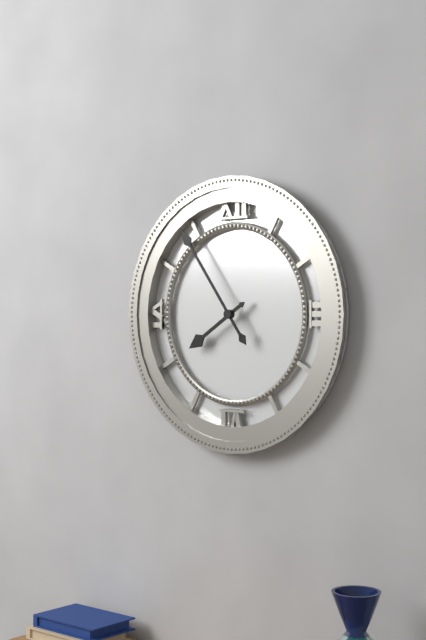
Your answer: **7:54**
